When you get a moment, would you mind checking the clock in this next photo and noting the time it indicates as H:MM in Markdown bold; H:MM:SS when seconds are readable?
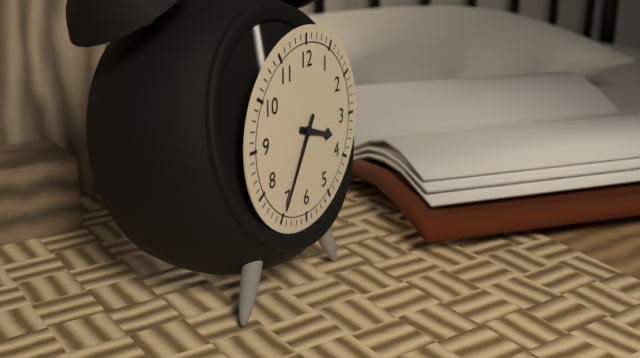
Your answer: **3:35**
